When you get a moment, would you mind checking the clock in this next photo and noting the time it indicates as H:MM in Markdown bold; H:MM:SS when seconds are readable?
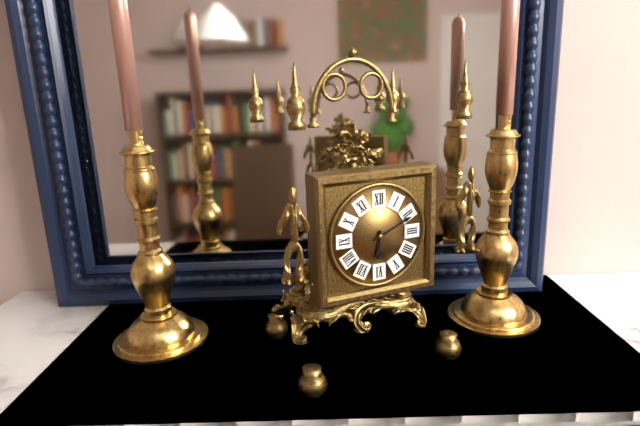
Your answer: **6:11**
